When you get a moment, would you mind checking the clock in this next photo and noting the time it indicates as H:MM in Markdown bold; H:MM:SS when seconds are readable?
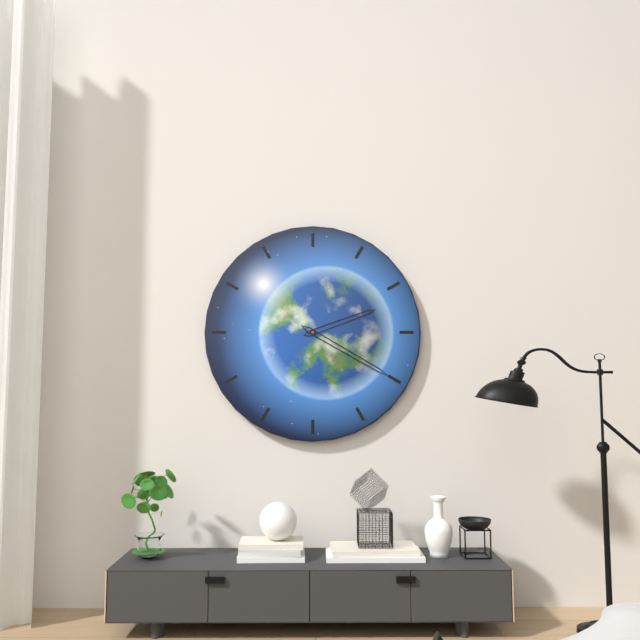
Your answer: **2:20**
